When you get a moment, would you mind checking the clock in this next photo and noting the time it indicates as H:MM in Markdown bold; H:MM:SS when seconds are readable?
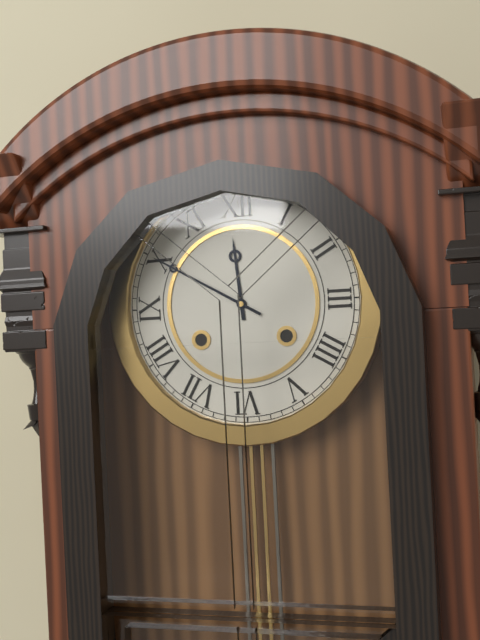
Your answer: **11:50**
